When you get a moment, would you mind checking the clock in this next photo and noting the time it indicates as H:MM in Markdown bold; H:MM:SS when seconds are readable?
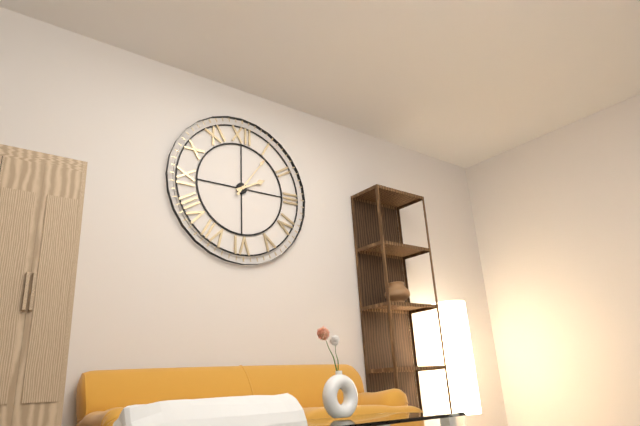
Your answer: **2:06**
